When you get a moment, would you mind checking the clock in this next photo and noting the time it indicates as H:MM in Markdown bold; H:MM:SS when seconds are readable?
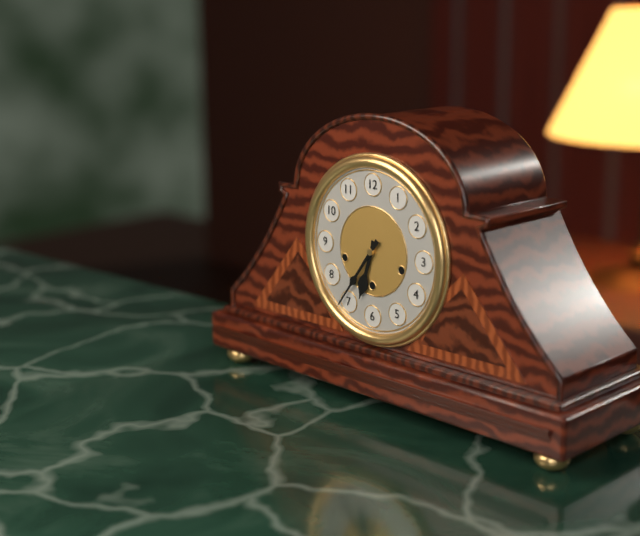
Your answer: **6:36**
